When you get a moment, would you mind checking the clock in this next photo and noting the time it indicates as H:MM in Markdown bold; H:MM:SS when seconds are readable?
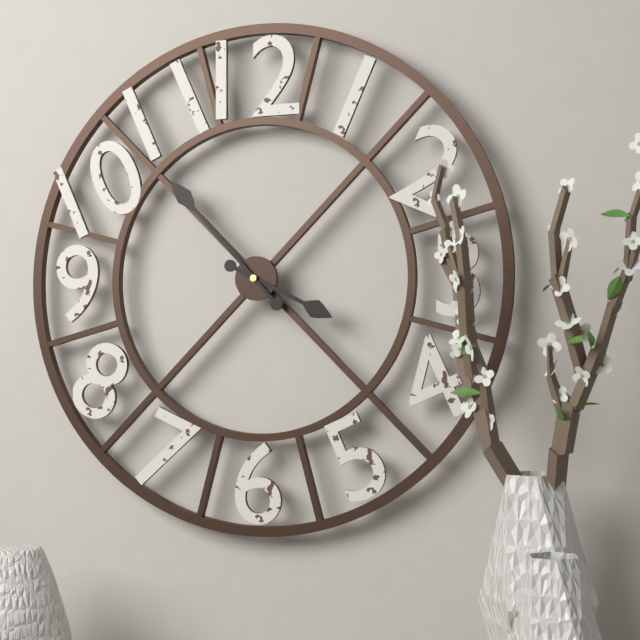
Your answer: **3:53**
